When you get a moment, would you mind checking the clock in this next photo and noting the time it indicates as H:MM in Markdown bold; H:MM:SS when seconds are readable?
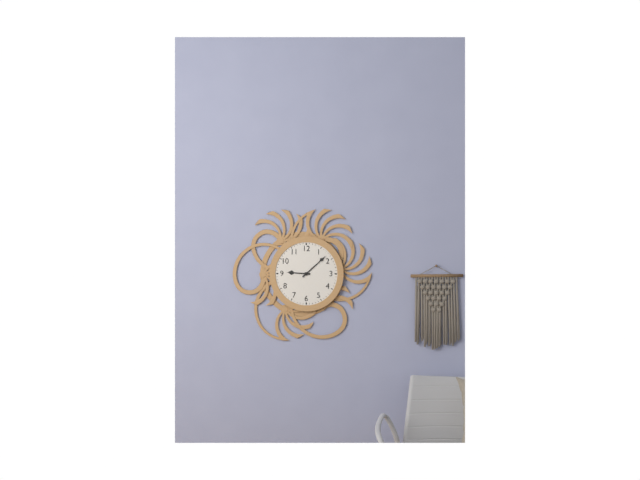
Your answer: **9:08**
